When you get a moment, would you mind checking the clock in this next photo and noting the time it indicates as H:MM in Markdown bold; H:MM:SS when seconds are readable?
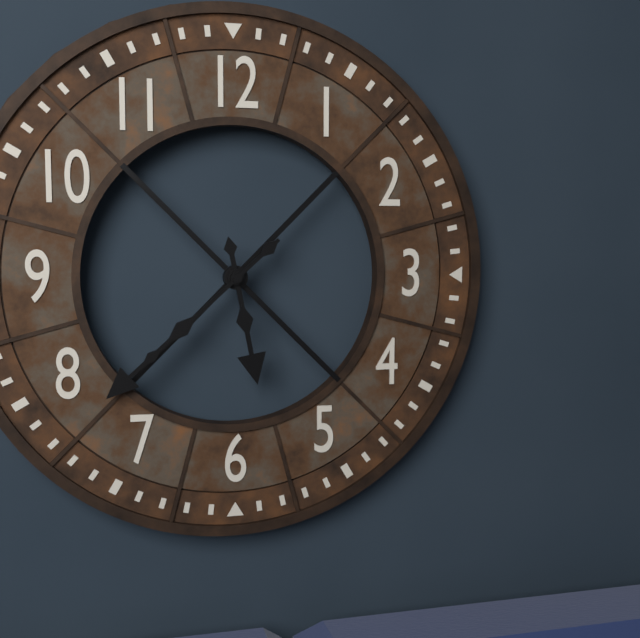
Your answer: **5:38**
